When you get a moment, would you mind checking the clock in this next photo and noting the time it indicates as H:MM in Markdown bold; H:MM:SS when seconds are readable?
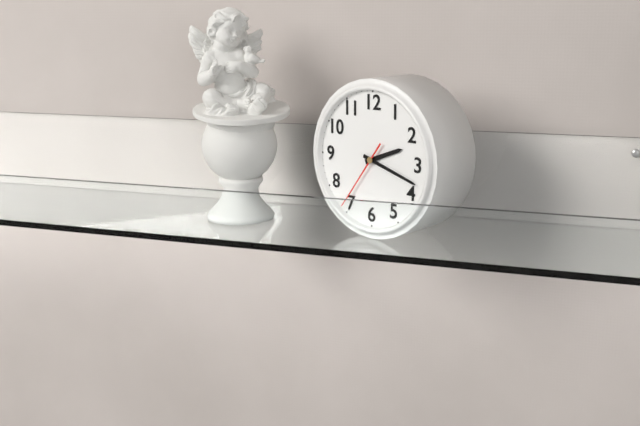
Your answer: **2:18:36**
